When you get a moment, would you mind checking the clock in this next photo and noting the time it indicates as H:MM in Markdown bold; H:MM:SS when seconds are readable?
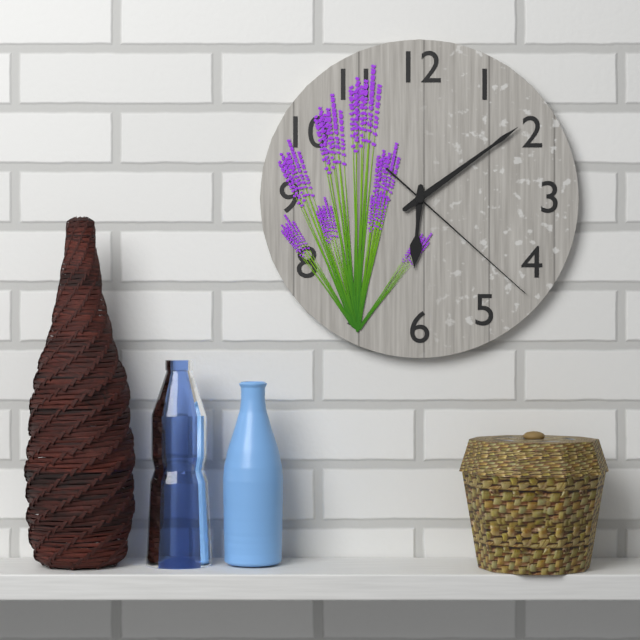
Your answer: **6:09:22**
